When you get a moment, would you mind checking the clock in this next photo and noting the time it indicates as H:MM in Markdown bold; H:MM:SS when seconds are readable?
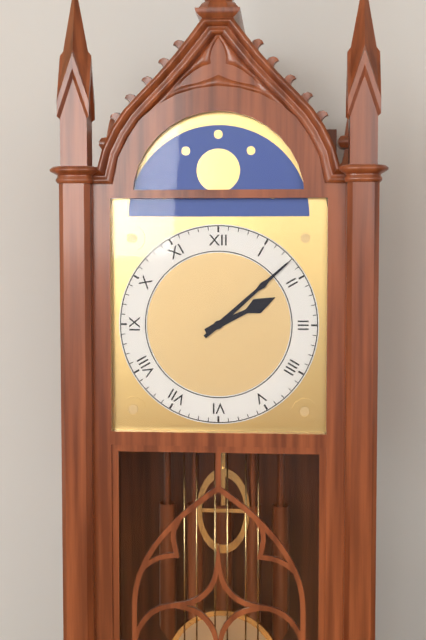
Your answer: **2:08**
